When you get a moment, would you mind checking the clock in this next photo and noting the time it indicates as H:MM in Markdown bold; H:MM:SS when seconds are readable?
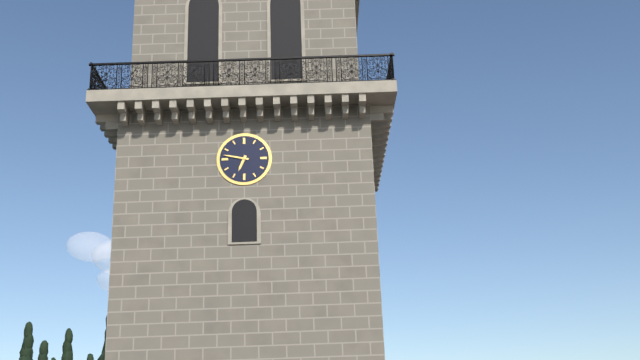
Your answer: **6:47**
